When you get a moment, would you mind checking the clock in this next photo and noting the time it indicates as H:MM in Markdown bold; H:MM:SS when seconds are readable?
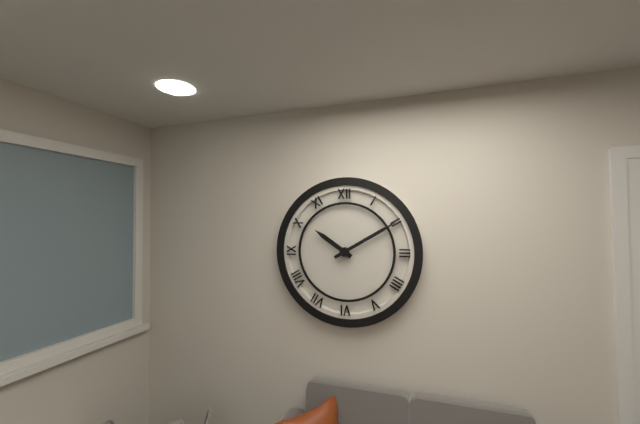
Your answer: **10:10**
